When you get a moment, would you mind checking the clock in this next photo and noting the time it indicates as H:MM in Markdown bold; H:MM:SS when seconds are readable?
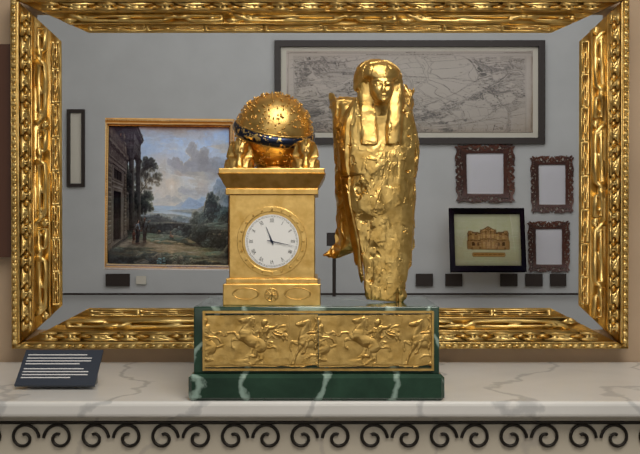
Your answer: **11:17**
